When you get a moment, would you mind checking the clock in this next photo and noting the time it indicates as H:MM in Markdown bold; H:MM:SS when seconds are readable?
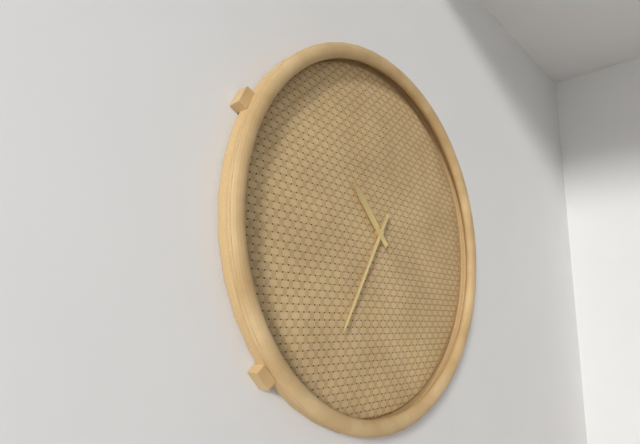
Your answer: **10:35**
